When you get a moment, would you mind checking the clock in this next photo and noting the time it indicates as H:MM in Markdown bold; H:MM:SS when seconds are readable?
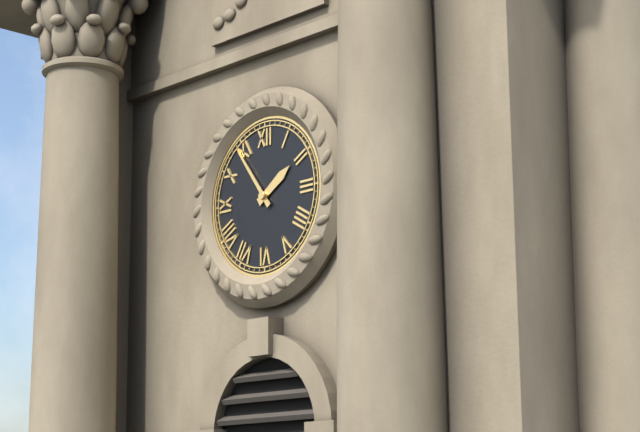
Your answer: **1:54**
